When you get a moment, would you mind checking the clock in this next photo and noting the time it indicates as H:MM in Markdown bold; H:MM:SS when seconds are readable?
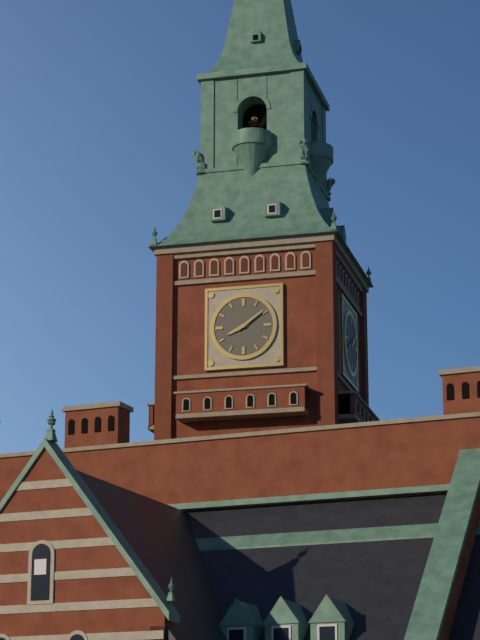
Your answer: **8:09**
